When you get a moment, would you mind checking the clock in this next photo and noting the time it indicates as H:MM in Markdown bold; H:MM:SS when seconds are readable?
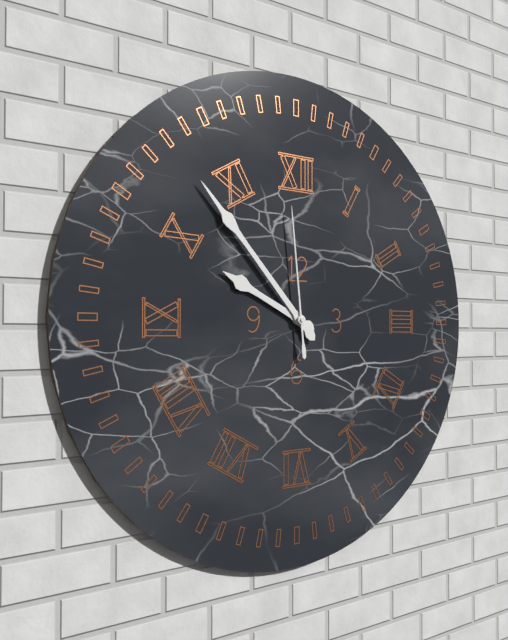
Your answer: **9:53:59**
